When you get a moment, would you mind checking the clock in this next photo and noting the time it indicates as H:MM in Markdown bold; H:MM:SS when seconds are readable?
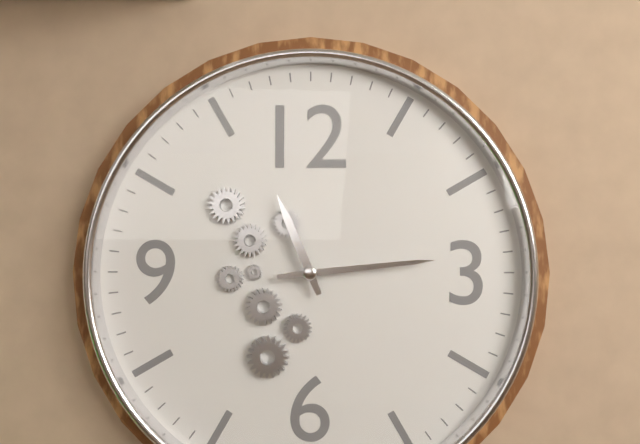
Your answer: **11:14**
